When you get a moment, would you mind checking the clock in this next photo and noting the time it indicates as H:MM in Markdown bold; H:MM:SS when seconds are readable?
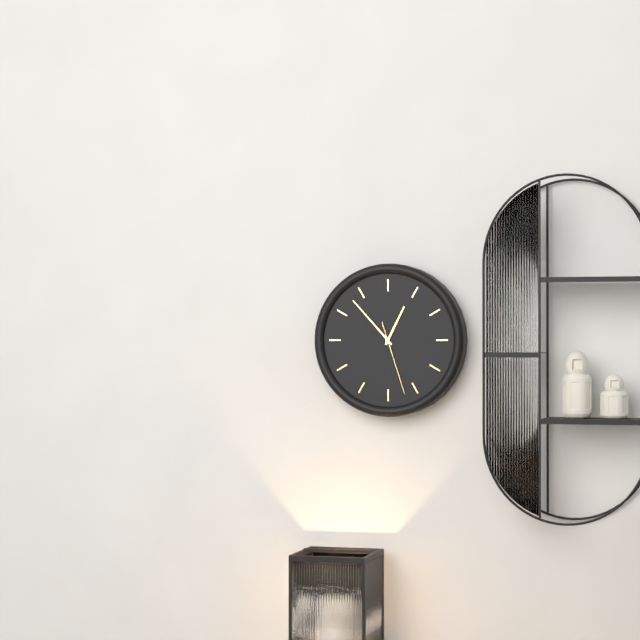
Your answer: **12:53:27**
